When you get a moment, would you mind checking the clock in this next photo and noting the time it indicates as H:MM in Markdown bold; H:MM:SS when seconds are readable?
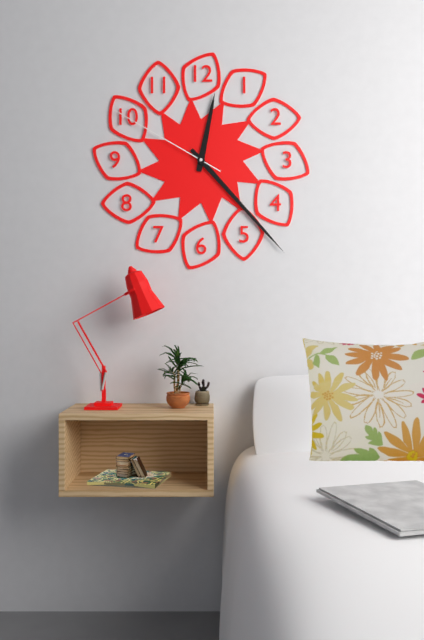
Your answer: **12:23:50**
